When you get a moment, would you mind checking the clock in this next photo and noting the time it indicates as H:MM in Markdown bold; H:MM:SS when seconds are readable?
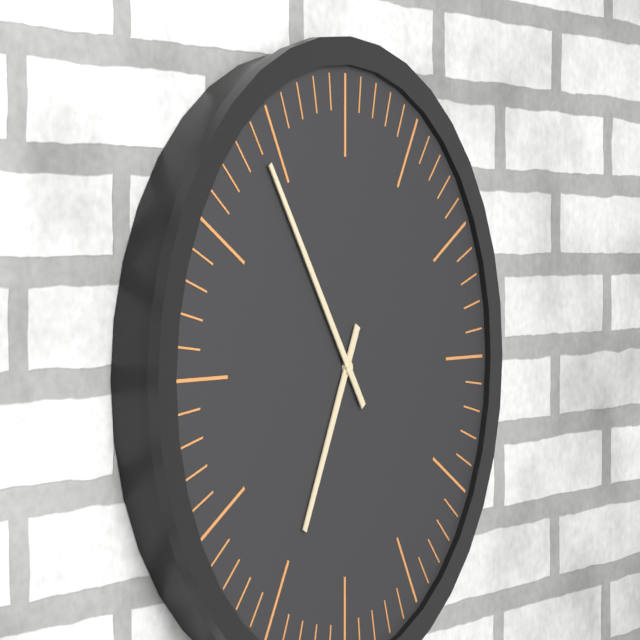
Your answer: **6:54**
